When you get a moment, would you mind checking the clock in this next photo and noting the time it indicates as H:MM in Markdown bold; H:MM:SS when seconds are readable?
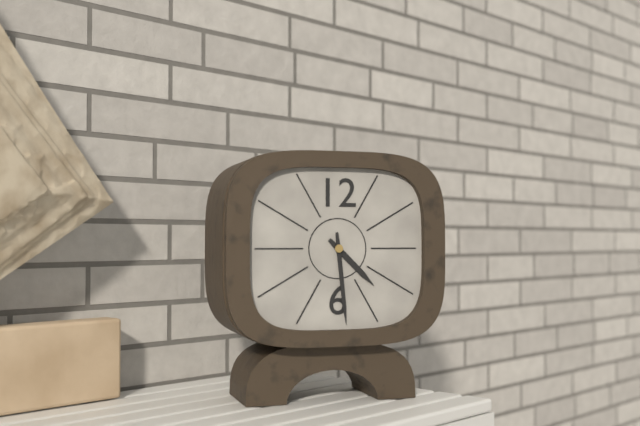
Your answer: **4:29**
